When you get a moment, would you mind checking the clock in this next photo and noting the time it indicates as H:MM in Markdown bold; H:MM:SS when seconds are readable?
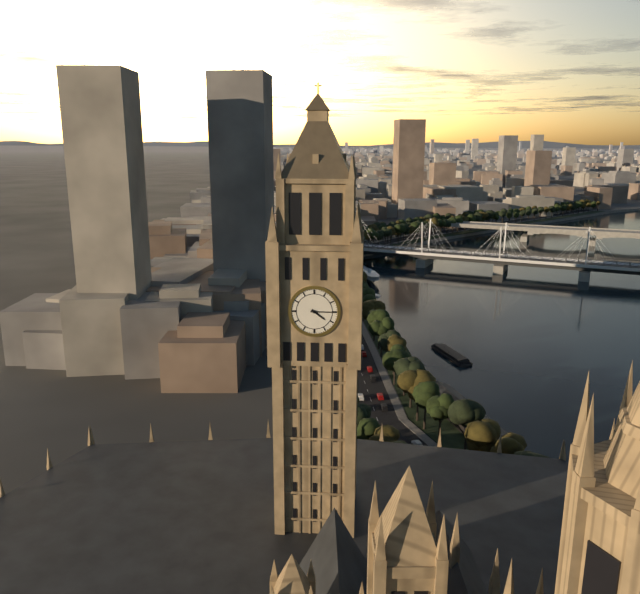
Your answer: **4:15**
